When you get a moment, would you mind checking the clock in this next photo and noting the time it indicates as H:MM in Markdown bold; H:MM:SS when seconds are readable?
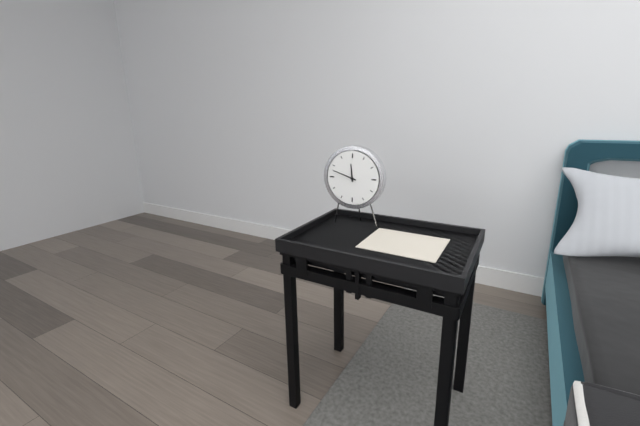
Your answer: **11:48**
